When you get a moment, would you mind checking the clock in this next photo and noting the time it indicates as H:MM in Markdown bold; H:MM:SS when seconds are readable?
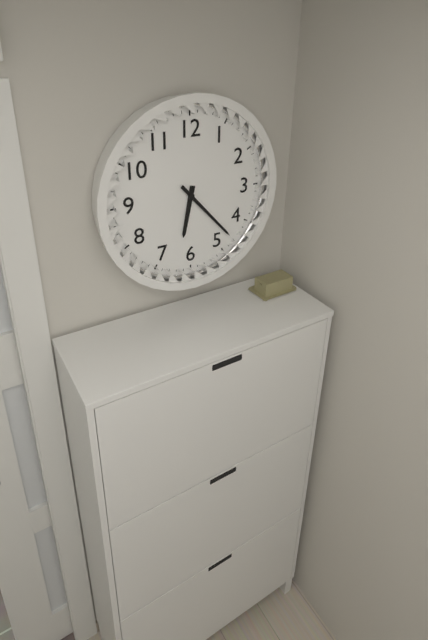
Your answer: **6:23**
